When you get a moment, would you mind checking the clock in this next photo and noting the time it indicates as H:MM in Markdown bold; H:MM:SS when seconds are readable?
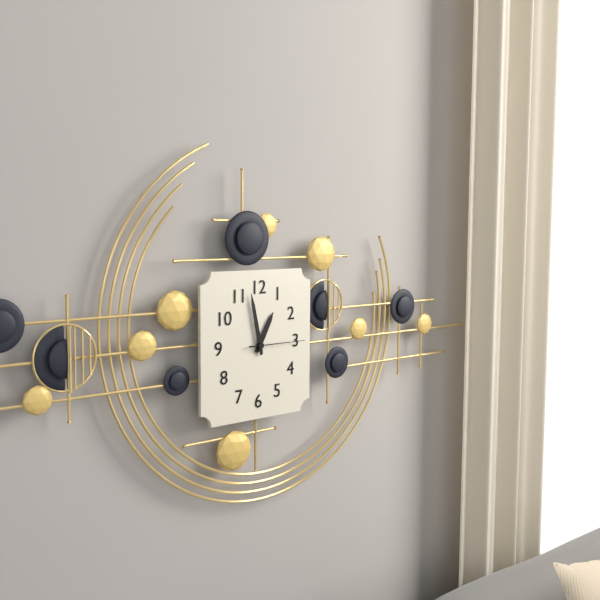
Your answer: **12:58:15**
